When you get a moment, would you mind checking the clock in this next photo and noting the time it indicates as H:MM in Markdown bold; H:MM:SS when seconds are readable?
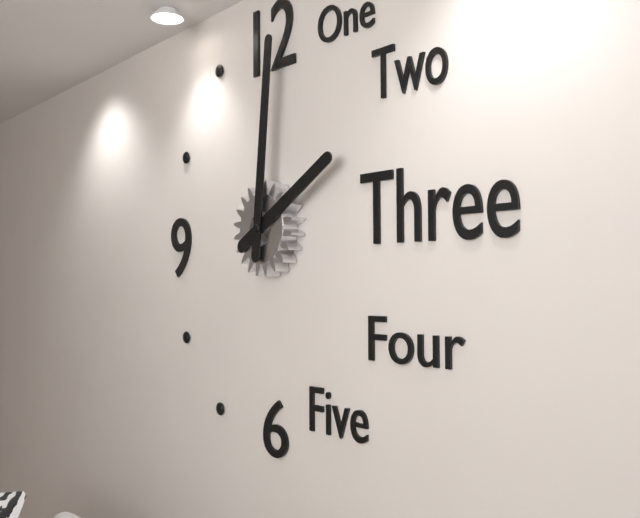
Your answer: **2:01**
